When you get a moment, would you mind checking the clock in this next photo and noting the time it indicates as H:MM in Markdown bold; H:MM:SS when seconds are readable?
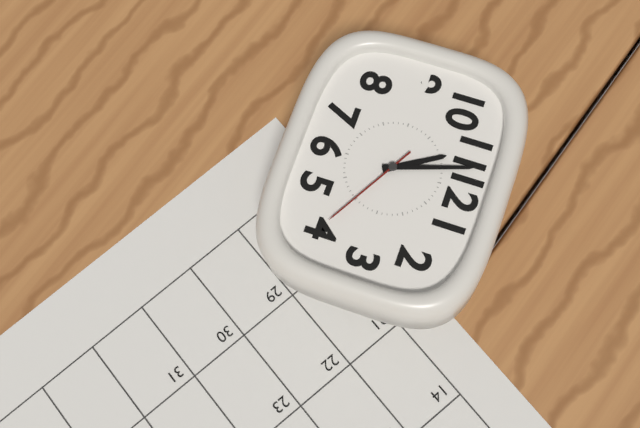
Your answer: **10:57:20**
